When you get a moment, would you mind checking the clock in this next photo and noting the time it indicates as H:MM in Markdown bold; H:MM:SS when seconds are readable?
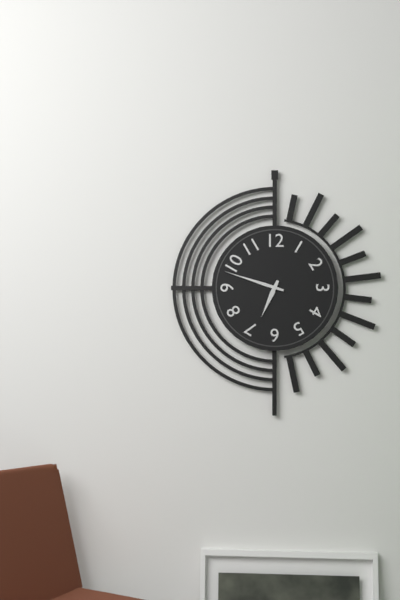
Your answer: **6:48**
